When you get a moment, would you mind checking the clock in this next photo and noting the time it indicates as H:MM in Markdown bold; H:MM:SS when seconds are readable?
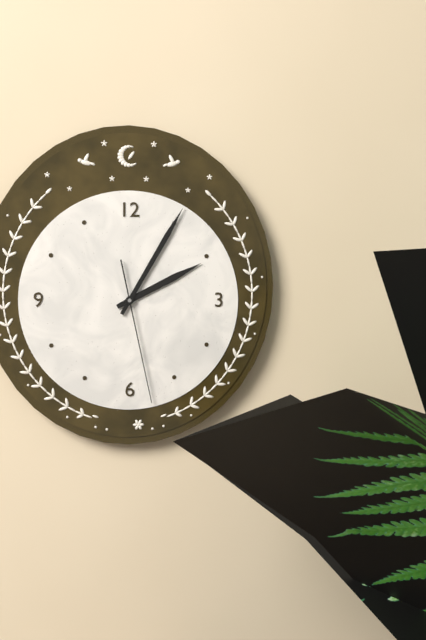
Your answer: **2:05:28**
